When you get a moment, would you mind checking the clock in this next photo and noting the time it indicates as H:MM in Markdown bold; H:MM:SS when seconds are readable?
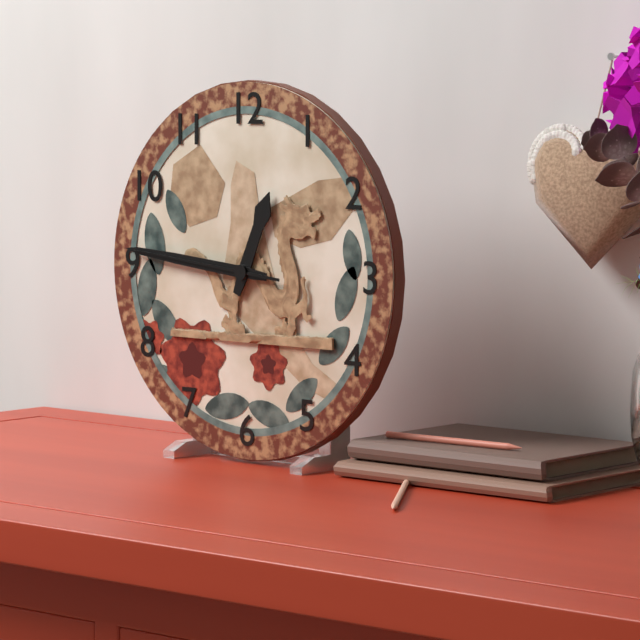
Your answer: **12:46:46**
